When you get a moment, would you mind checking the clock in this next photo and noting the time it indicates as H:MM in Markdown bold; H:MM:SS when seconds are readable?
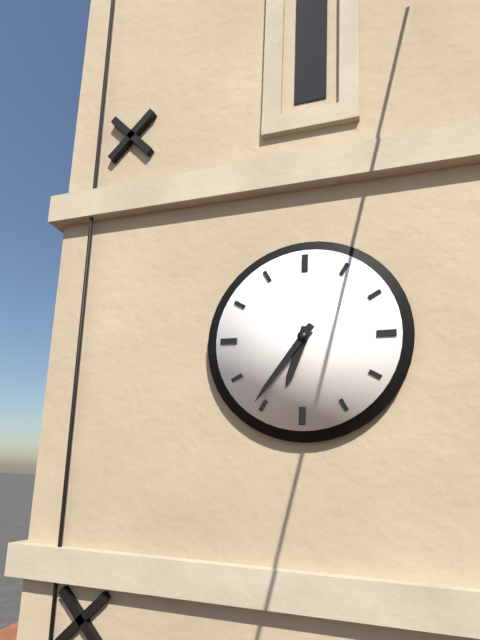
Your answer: **6:36**
